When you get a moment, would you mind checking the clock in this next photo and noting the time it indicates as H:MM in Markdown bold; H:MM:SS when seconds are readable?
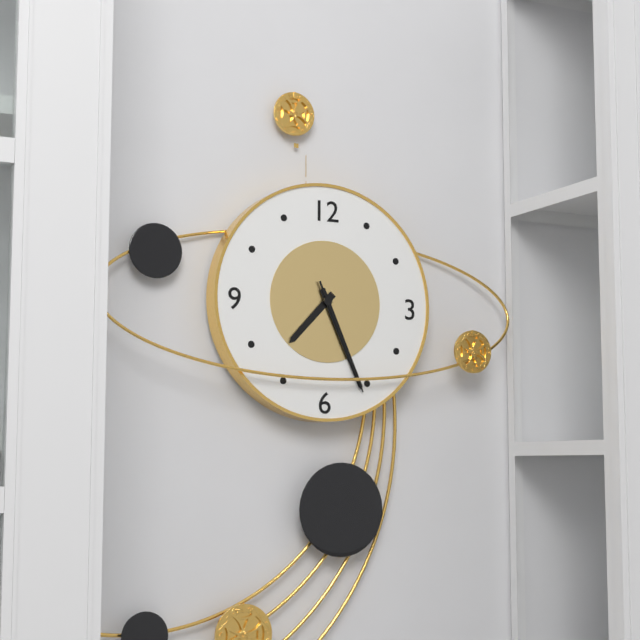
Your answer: **7:26:26**
